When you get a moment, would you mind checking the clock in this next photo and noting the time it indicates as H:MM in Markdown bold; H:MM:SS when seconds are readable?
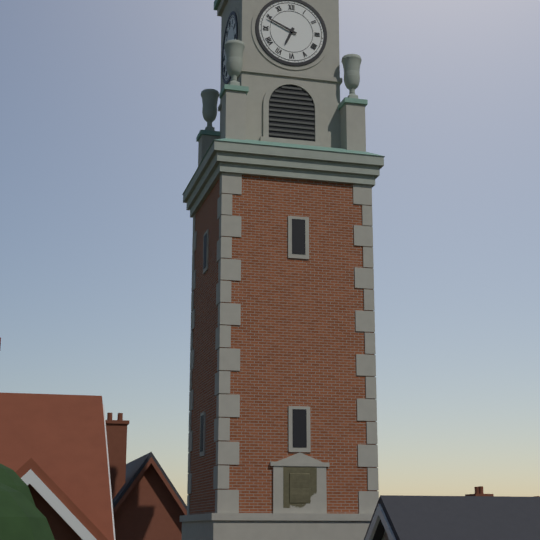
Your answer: **6:49**
